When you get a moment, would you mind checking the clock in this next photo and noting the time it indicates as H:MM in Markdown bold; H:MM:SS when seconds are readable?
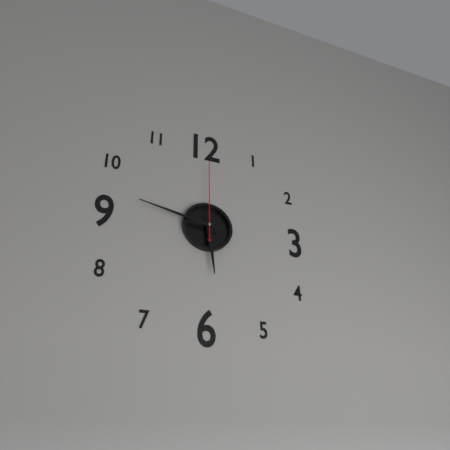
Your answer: **5:47:00**
